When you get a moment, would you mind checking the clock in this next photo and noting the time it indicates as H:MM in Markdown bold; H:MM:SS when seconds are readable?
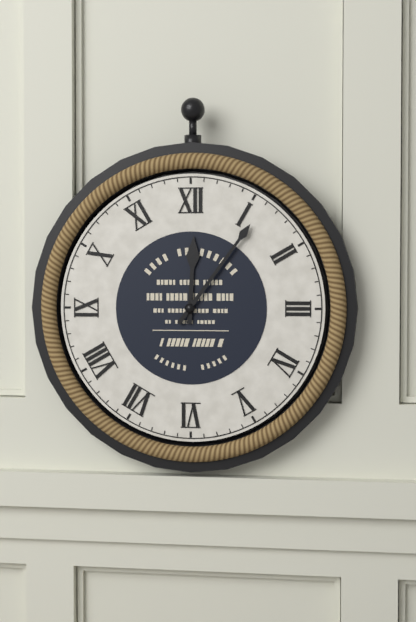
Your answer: **12:06**
